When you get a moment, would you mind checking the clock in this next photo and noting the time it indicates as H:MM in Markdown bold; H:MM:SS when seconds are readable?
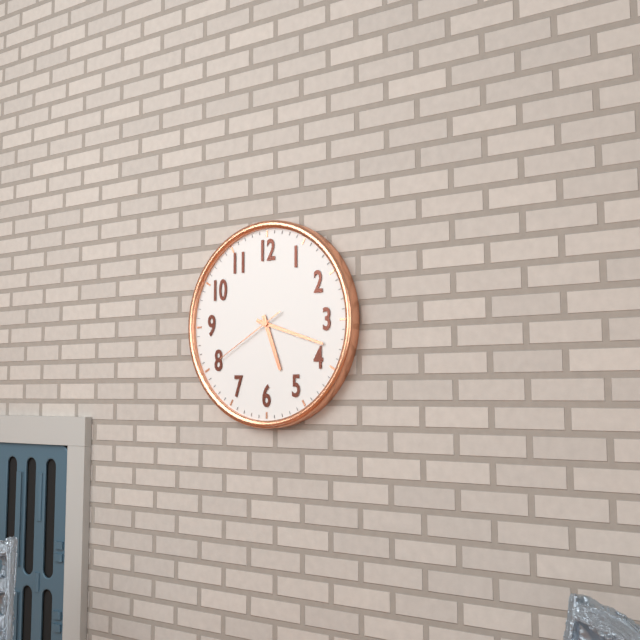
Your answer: **5:18:40**
